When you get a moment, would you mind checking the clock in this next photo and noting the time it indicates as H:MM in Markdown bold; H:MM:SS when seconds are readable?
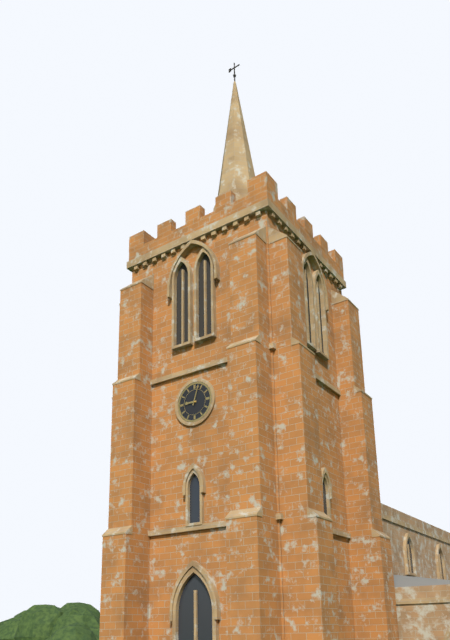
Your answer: **9:03**
